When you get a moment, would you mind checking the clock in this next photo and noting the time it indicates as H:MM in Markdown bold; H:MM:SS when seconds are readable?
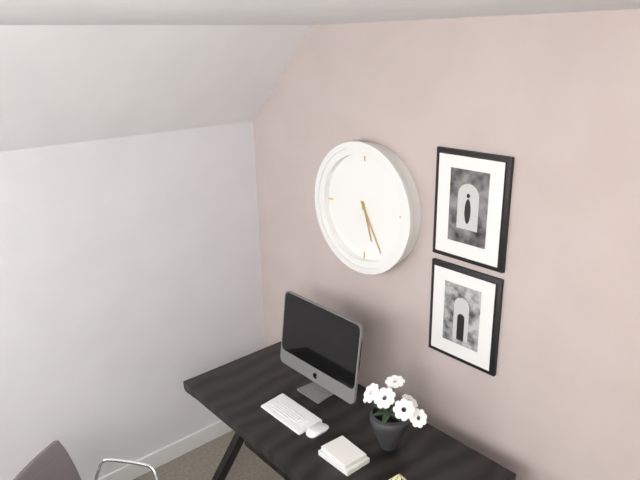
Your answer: **5:25**
